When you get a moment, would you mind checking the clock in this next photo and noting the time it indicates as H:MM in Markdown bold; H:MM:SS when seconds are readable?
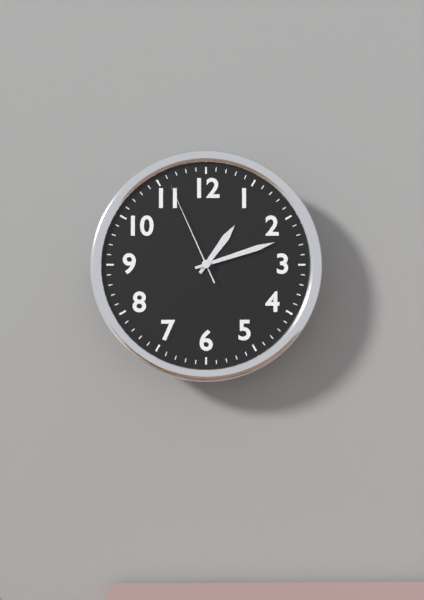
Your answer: **1:12:56**
